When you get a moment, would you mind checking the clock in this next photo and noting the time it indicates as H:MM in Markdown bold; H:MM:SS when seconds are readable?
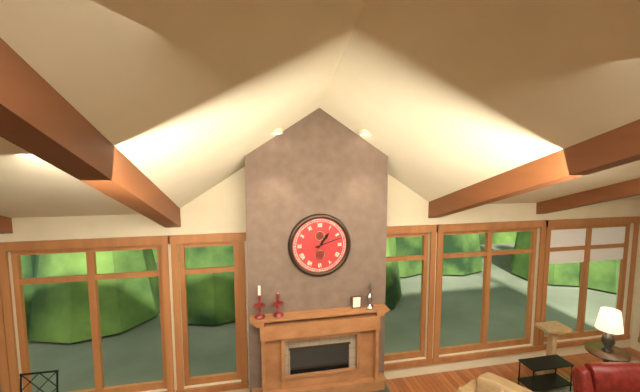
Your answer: **1:12**
